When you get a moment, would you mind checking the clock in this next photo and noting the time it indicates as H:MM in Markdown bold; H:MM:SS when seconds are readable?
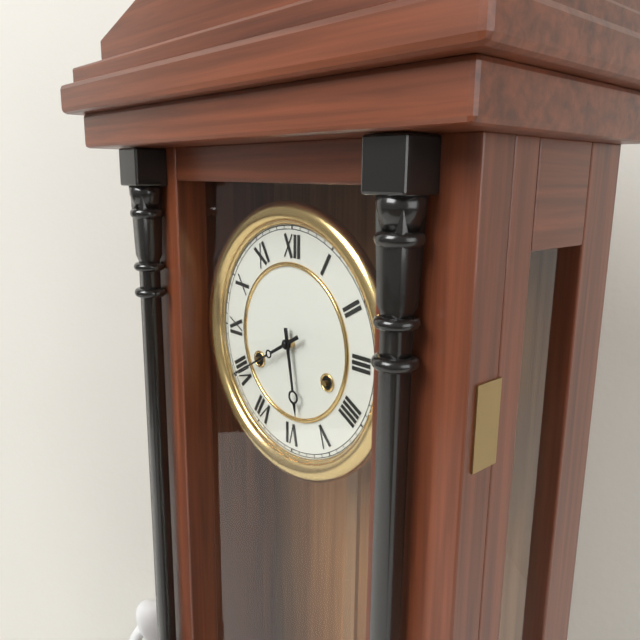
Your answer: **5:40**
